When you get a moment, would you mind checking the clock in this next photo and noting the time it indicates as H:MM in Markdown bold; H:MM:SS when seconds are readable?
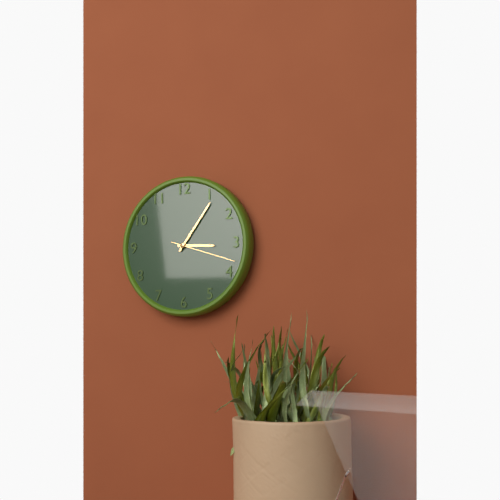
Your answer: **3:06:18**
